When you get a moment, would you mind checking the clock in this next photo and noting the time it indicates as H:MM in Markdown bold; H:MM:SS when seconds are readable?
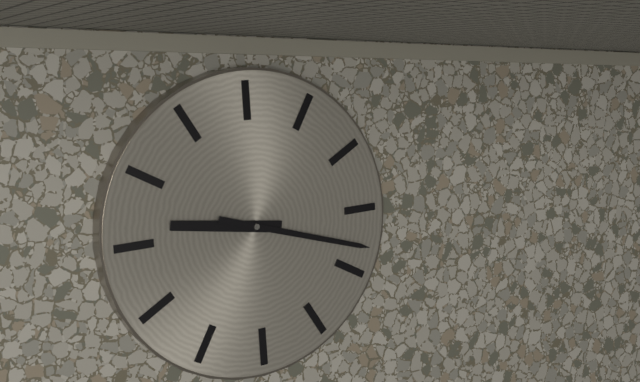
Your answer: **9:18**
